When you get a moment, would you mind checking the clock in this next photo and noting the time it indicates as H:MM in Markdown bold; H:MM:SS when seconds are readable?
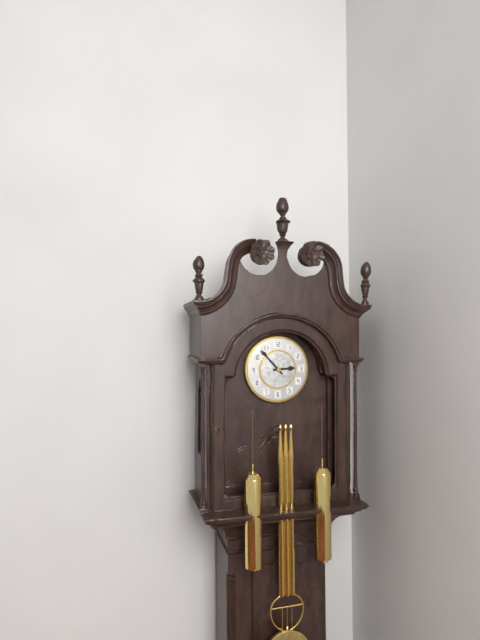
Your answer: **2:53**
